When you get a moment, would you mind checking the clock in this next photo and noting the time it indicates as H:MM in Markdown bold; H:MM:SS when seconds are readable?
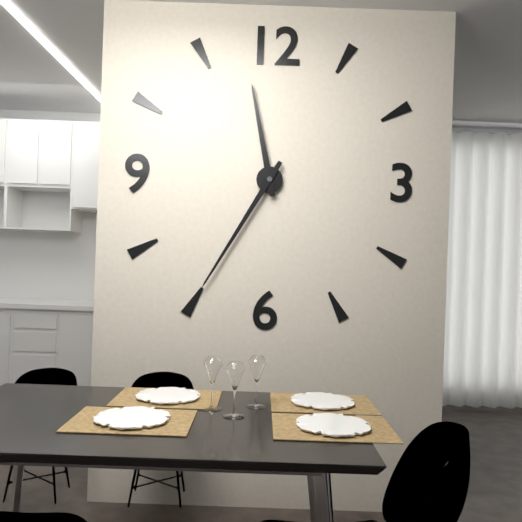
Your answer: **11:35**
